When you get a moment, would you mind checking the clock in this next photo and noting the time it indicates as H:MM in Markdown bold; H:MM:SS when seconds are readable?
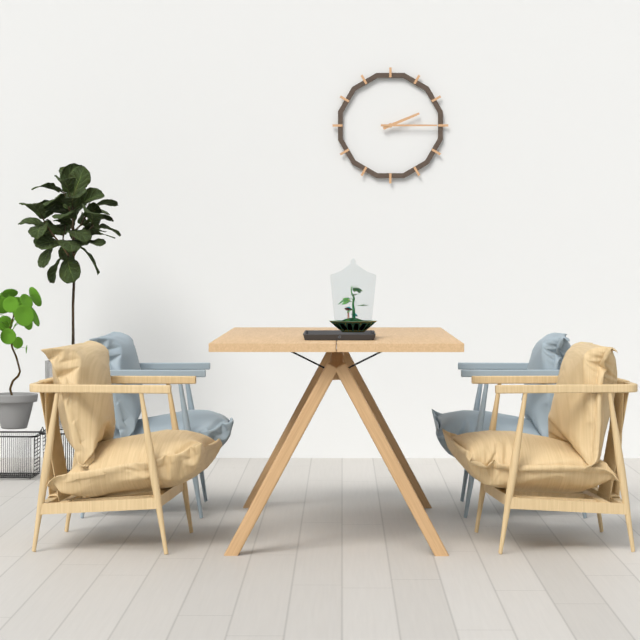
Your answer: **2:15**
